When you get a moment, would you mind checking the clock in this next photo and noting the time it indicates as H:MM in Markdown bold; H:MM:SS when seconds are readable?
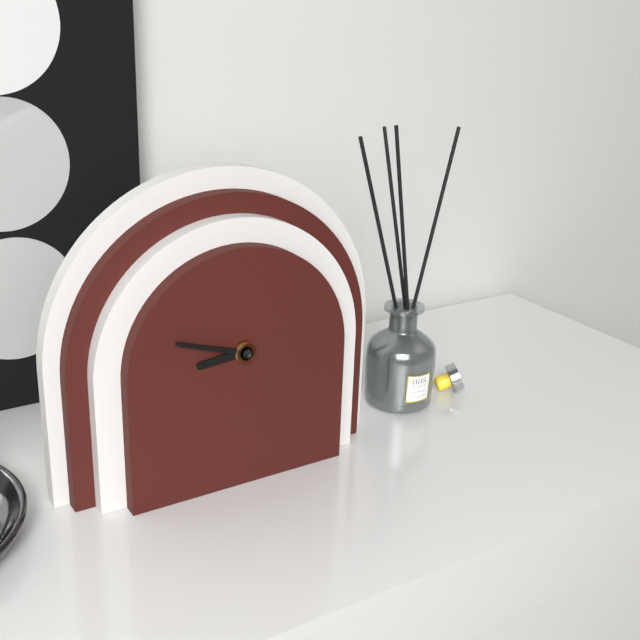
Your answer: **8:48**
